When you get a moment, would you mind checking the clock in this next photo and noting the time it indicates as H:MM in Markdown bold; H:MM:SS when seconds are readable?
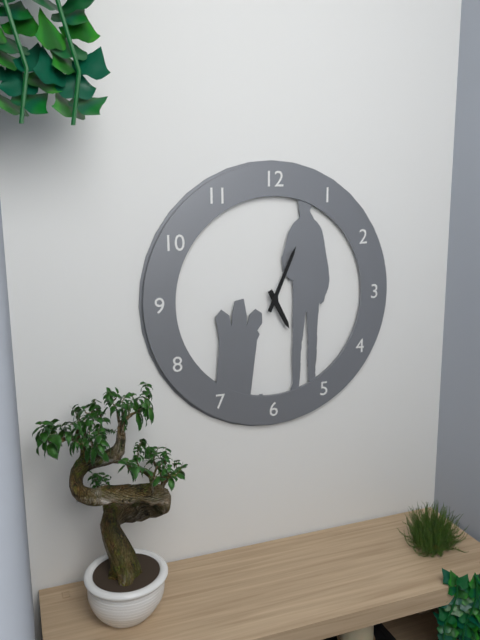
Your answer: **5:04**
